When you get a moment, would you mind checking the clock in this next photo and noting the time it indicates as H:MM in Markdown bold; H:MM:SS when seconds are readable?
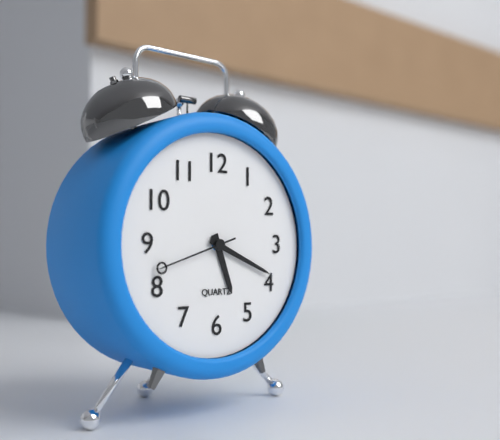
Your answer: **5:19:42**
